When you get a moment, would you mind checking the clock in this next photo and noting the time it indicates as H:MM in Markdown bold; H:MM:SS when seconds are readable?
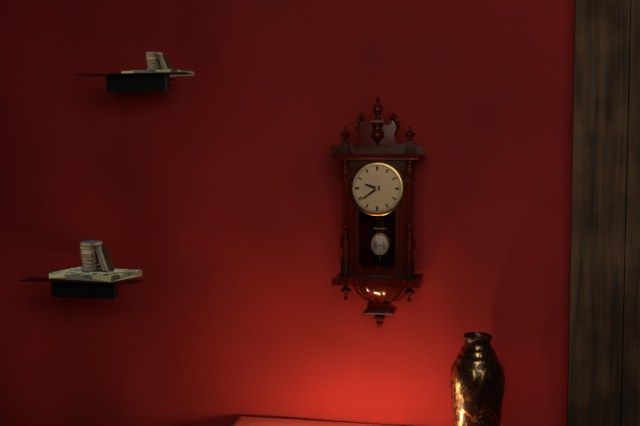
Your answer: **9:39**
